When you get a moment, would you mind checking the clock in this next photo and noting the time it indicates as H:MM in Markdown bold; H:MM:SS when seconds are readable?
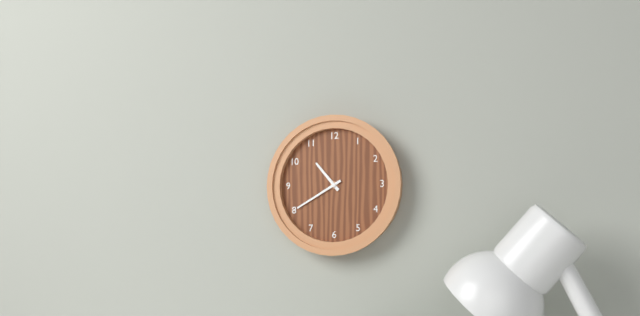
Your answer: **10:40**
